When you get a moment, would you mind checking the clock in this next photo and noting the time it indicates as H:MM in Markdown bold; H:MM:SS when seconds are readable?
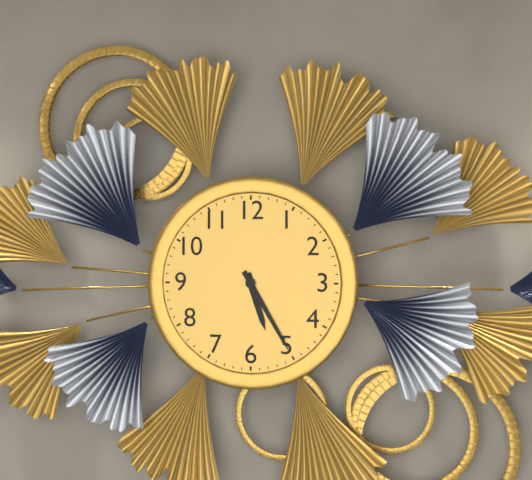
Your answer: **5:25**
